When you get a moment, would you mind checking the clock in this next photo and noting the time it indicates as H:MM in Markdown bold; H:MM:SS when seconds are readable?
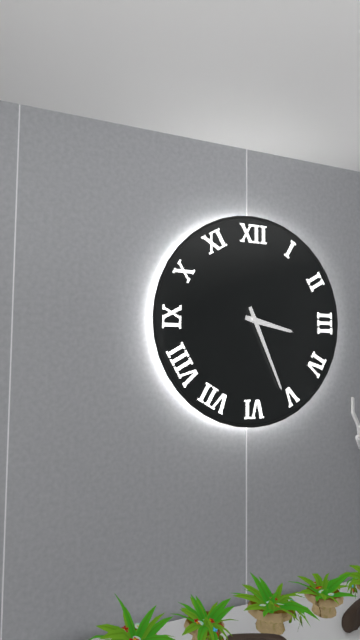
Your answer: **3:26**
